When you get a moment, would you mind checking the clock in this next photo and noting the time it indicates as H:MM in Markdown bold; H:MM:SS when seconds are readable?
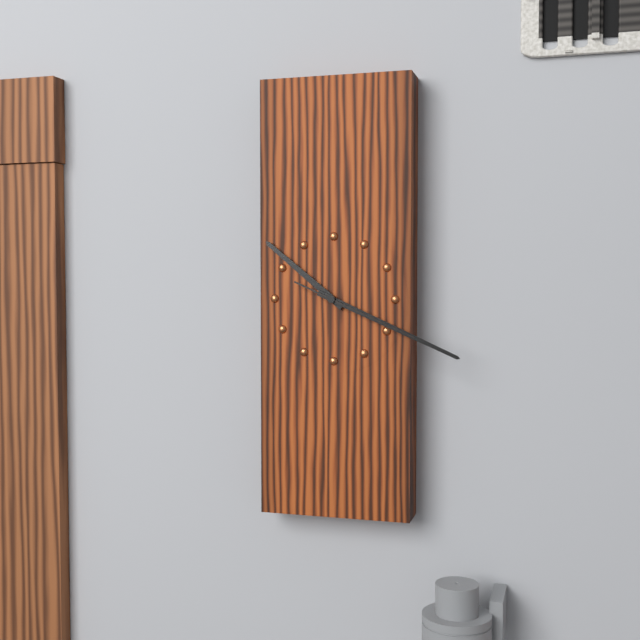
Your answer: **10:19:19**
